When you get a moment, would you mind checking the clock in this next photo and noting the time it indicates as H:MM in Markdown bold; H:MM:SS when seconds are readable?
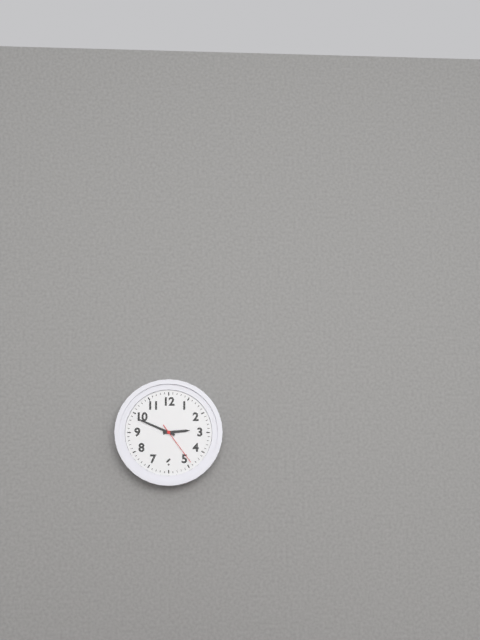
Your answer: **2:49**
